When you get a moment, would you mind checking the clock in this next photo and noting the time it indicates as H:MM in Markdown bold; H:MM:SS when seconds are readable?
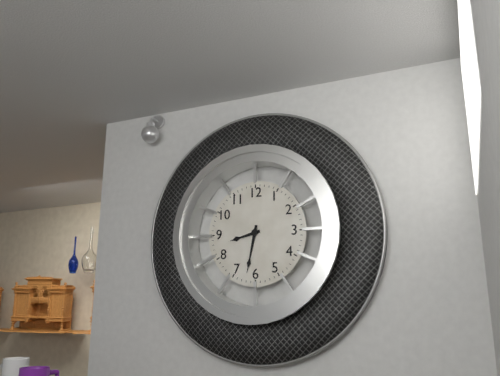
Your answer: **8:32**
